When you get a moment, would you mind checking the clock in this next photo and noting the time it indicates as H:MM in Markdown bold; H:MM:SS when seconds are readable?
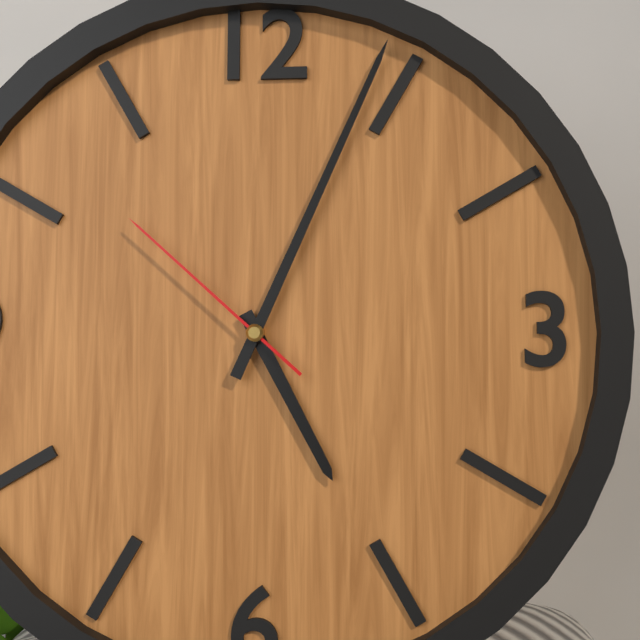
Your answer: **5:04:52**
